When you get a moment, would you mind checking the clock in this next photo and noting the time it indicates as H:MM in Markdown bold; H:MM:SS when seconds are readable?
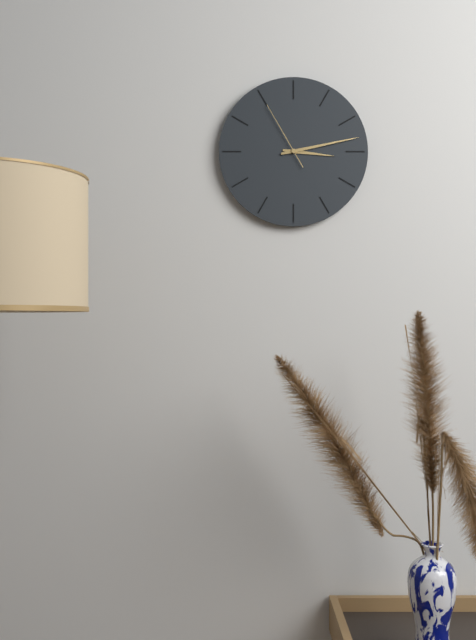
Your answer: **3:13:55**
